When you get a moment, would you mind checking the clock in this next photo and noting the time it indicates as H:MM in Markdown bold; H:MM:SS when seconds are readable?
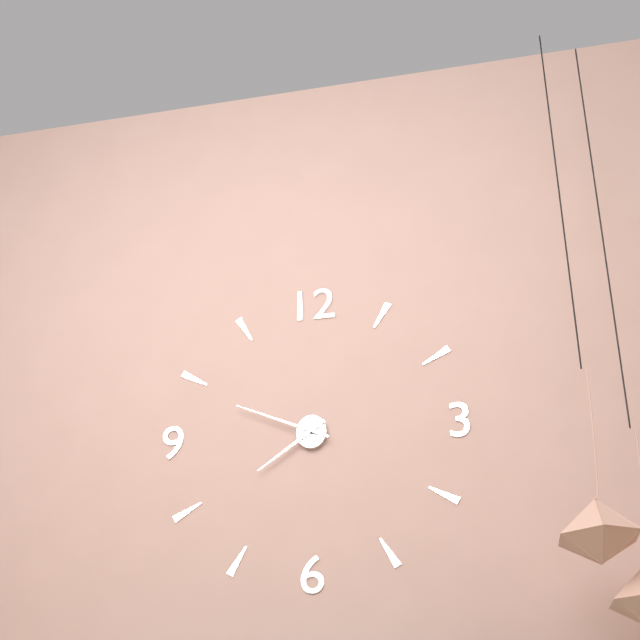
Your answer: **7:49**
